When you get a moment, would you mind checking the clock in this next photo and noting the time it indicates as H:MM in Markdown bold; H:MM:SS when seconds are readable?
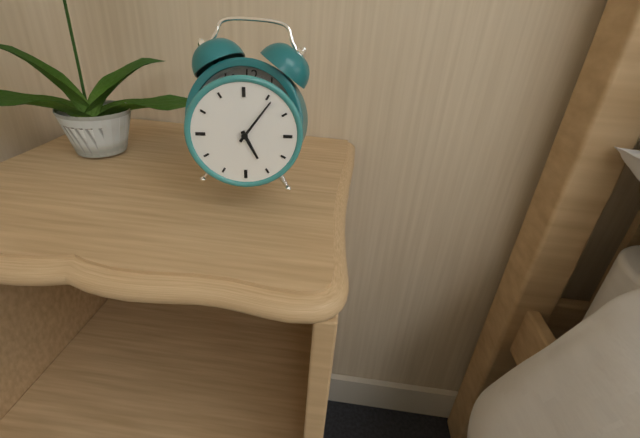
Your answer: **5:06**
